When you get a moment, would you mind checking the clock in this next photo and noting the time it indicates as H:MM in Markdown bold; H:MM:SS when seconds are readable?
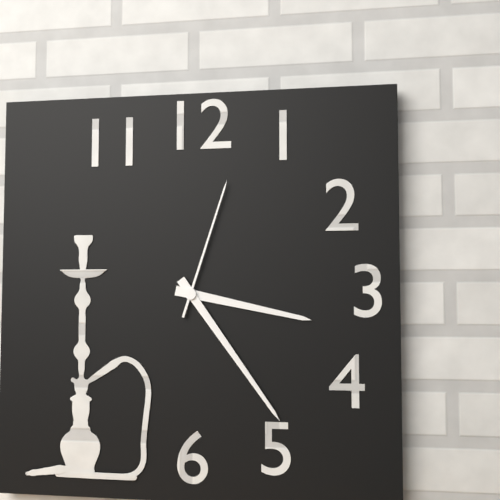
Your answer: **3:24:03**
